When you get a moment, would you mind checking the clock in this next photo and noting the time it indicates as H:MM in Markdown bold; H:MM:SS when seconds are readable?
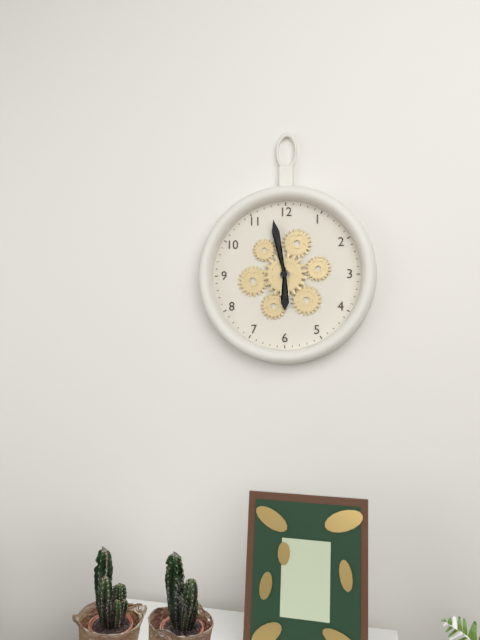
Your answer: **5:58**
